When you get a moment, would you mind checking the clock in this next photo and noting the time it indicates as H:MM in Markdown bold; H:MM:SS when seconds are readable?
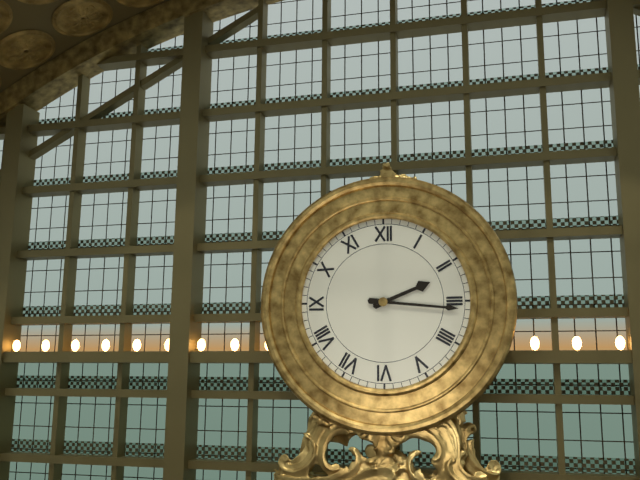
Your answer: **2:16**
